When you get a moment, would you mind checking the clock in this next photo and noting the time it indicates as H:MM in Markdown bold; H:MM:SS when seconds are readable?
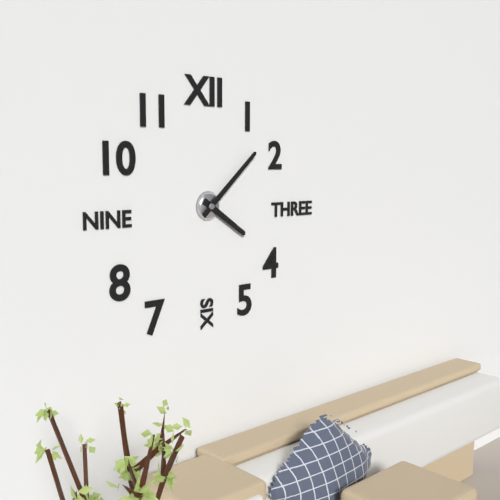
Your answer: **4:08**
